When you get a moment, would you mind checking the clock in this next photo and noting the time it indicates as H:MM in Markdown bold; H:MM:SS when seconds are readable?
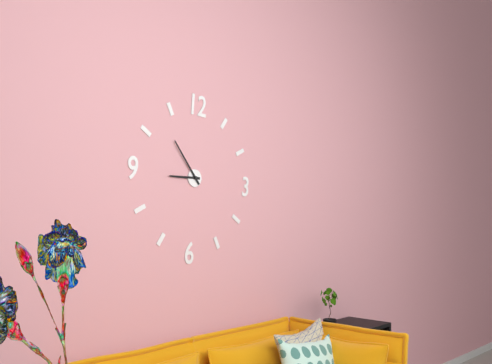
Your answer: **8:53**
